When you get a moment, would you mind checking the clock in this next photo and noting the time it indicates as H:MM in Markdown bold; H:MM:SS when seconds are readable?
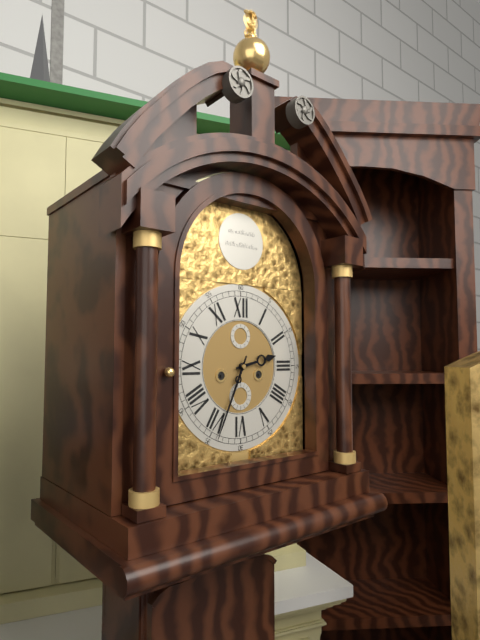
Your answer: **2:34**
